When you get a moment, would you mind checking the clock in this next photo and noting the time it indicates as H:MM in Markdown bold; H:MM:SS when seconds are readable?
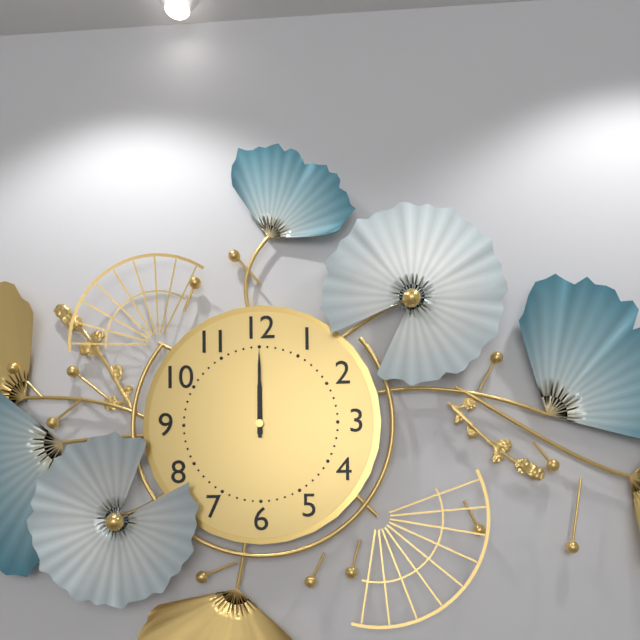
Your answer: **12:00**
